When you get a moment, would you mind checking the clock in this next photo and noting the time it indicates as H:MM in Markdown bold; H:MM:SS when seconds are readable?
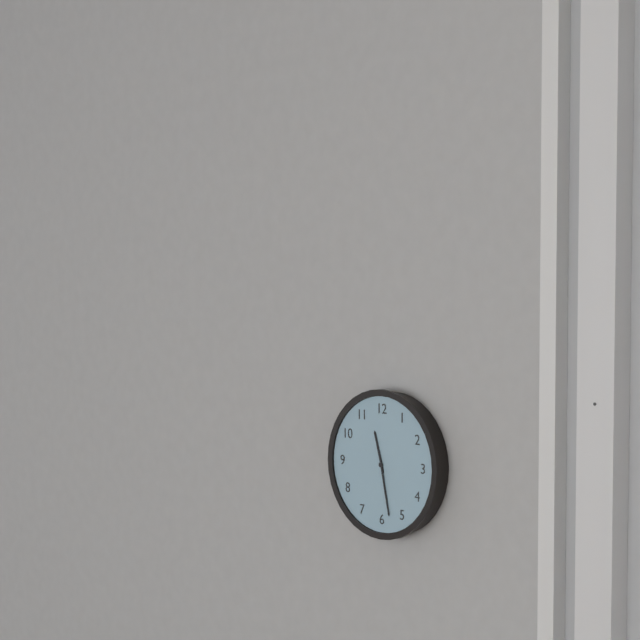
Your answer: **11:28**
